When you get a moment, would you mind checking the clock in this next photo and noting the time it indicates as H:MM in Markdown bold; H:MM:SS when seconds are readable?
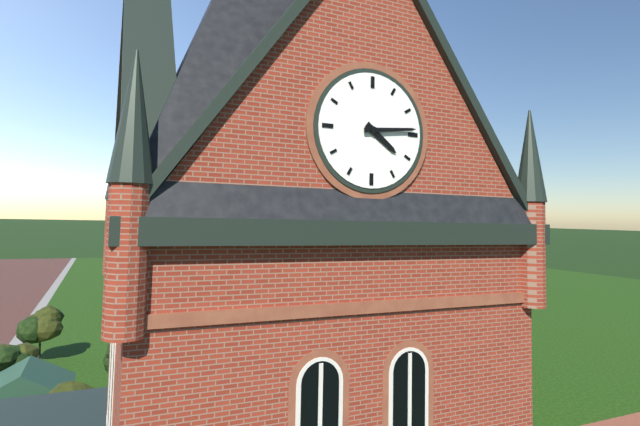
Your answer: **4:14**
